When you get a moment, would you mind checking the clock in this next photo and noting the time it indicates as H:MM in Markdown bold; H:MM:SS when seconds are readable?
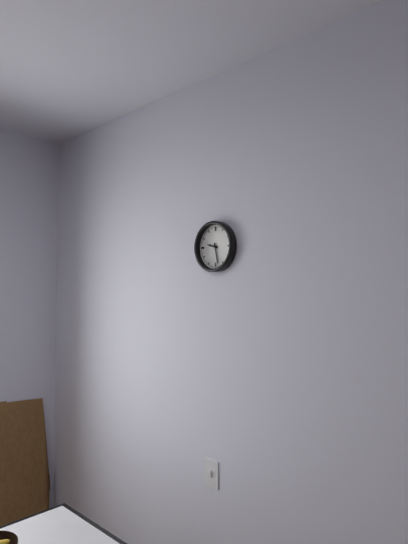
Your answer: **9:28**
